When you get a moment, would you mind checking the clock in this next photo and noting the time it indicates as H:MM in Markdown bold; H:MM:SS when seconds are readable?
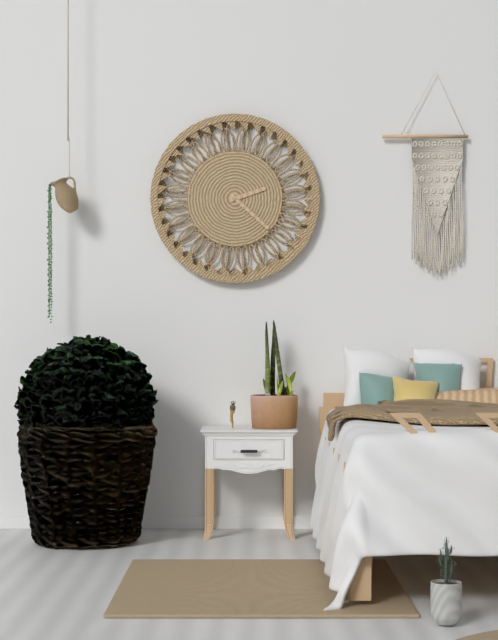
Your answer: **2:22**
